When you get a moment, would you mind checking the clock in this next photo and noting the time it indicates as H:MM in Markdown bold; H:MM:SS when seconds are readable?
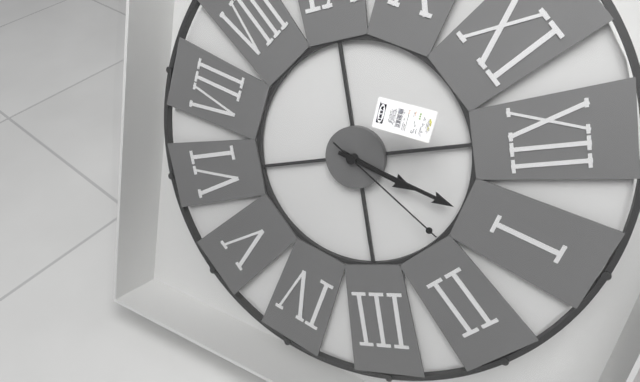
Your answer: **1:05:08**
